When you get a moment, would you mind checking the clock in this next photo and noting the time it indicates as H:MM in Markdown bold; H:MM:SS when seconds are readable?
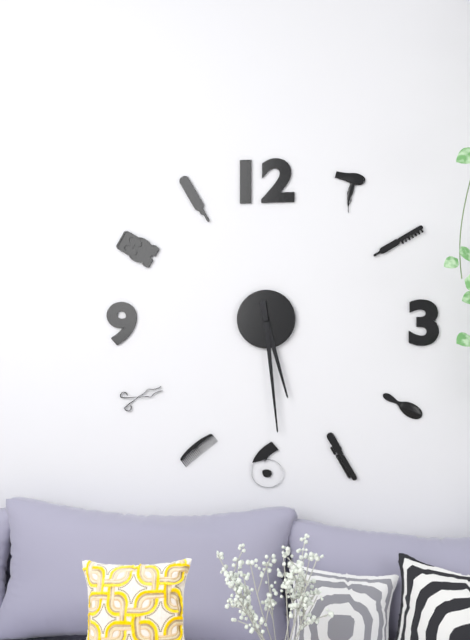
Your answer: **5:29**
